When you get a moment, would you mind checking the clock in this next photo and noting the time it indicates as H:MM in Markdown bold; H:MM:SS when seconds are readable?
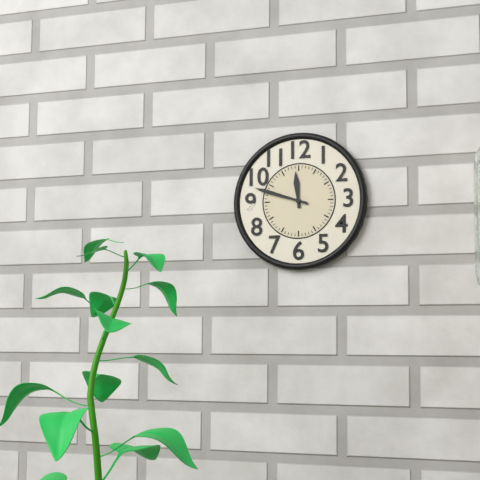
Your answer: **11:48**
